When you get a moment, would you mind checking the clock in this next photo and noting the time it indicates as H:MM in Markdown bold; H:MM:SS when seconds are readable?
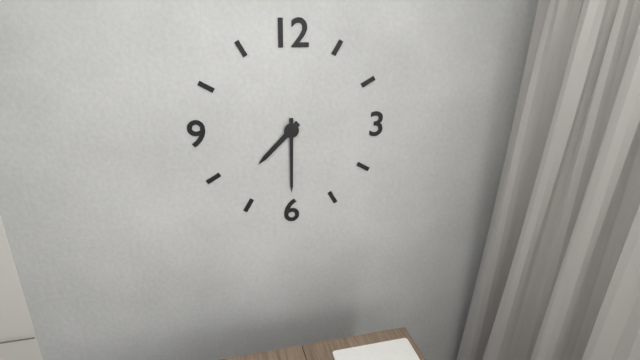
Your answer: **7:30**
